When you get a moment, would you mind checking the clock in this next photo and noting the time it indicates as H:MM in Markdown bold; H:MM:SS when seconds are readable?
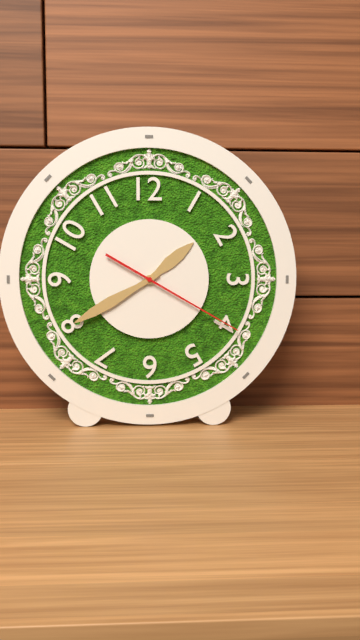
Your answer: **1:40:20**
